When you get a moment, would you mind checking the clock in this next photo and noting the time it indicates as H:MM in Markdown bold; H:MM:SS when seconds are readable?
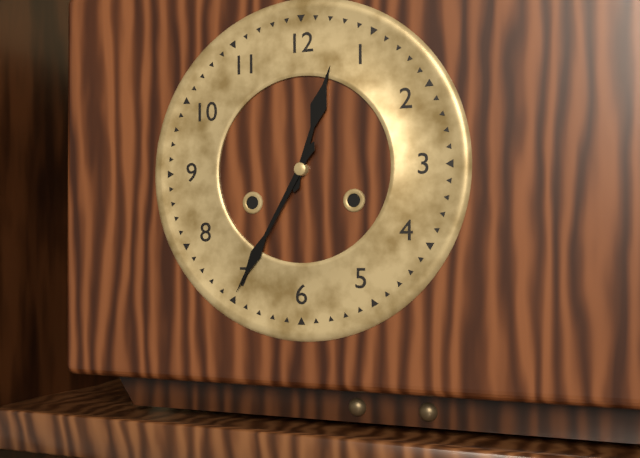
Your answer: **12:35**
